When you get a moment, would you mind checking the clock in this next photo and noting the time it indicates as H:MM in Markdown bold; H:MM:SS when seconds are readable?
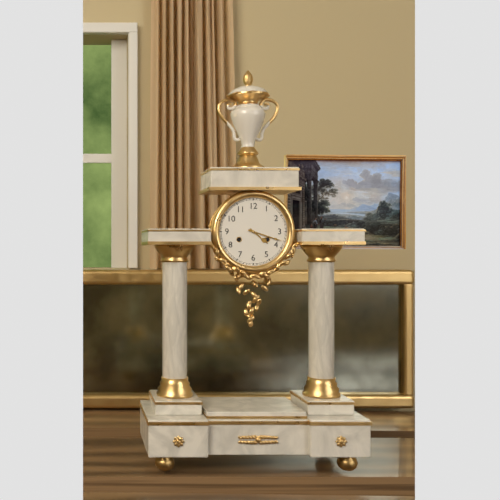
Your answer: **4:18**
